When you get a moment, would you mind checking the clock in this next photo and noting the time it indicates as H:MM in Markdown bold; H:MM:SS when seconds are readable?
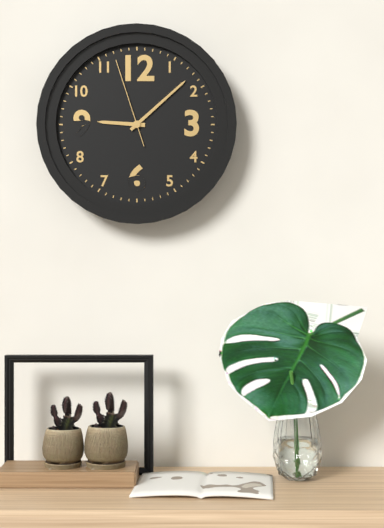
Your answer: **9:08:57**
